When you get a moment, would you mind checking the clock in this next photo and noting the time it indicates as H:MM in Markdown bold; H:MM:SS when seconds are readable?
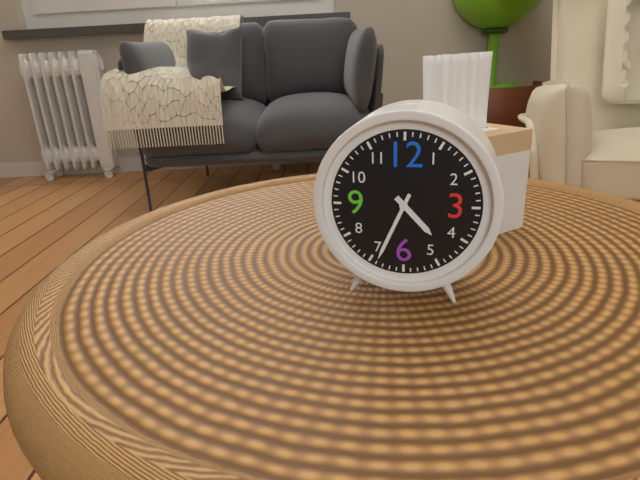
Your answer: **4:34**
